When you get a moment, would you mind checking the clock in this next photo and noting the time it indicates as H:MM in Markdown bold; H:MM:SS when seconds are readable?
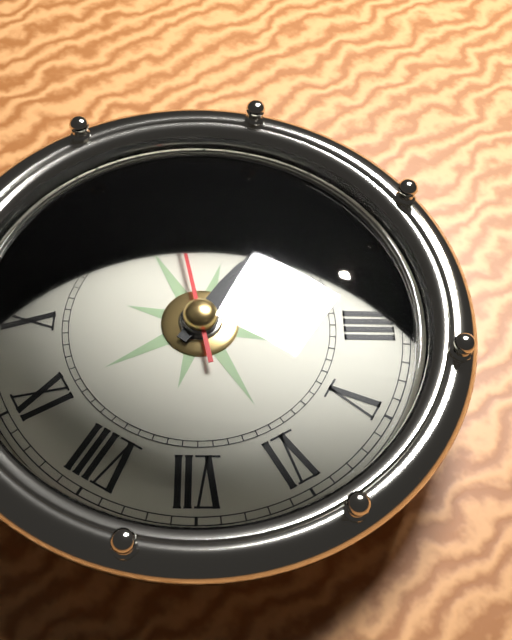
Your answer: **2:11:03**
